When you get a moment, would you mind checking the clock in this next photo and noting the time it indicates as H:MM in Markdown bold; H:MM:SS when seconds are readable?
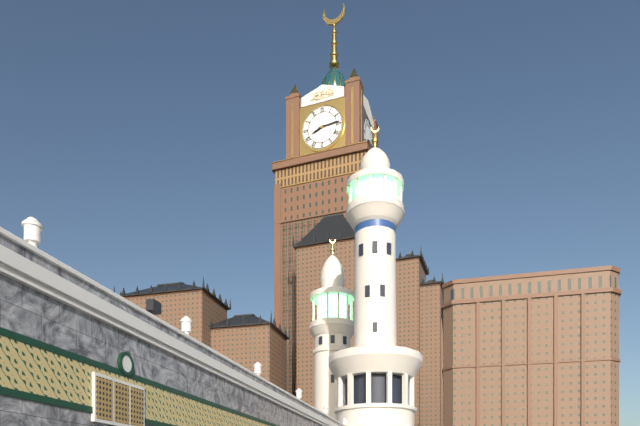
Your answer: **8:14**
